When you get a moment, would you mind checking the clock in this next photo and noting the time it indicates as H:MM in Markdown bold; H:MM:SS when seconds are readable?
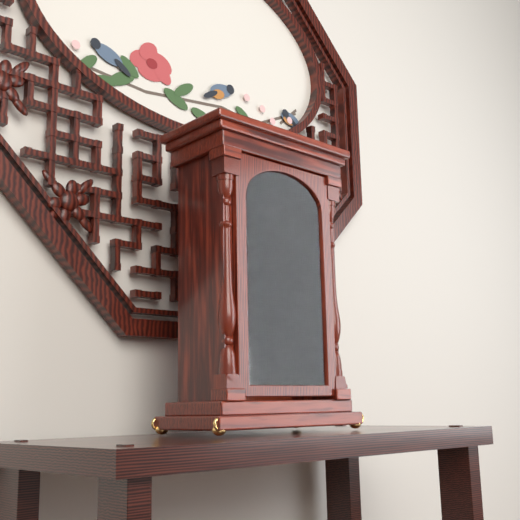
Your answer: **5:57**
